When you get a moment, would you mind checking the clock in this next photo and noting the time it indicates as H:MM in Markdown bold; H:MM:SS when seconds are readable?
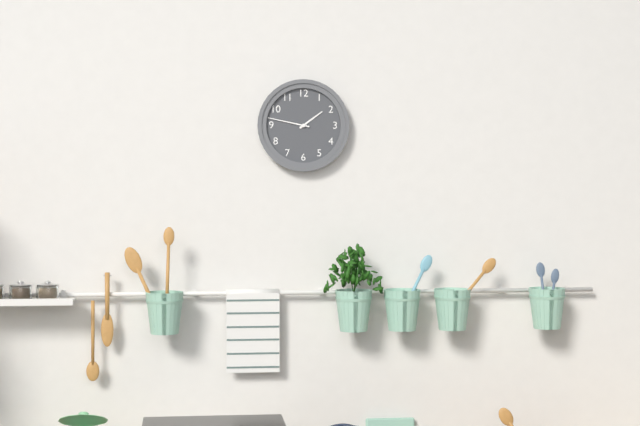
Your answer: **1:47**
